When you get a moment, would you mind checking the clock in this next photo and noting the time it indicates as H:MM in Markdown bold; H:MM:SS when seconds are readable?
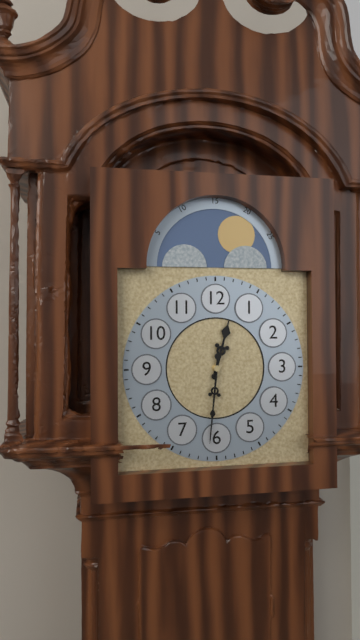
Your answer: **12:31**
